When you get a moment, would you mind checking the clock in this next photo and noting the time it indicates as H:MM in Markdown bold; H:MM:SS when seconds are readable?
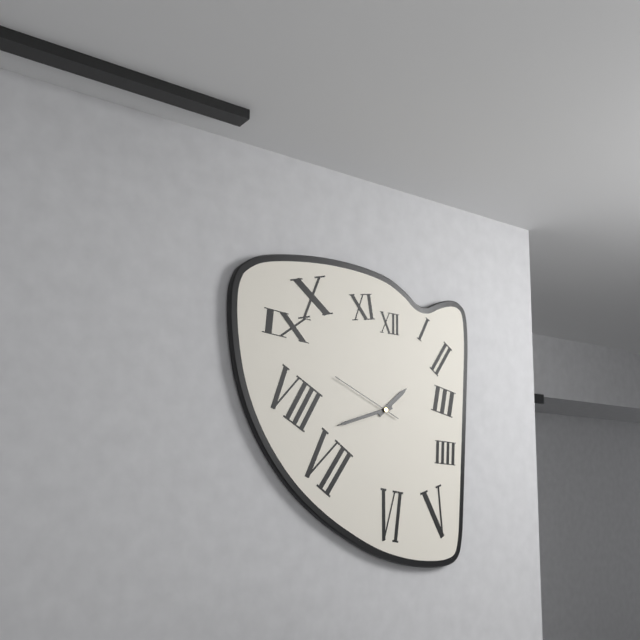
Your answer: **1:42:49**
